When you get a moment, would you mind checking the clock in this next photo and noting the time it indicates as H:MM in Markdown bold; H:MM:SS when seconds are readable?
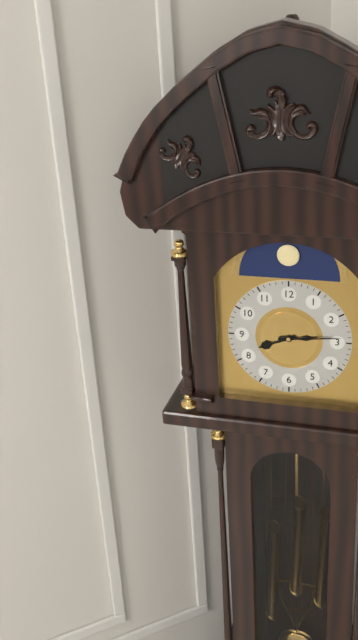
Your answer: **8:14**
